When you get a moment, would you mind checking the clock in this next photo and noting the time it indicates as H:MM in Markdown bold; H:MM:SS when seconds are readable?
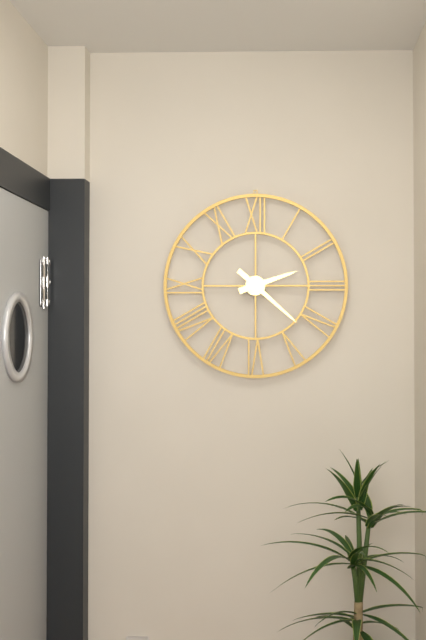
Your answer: **2:22**
